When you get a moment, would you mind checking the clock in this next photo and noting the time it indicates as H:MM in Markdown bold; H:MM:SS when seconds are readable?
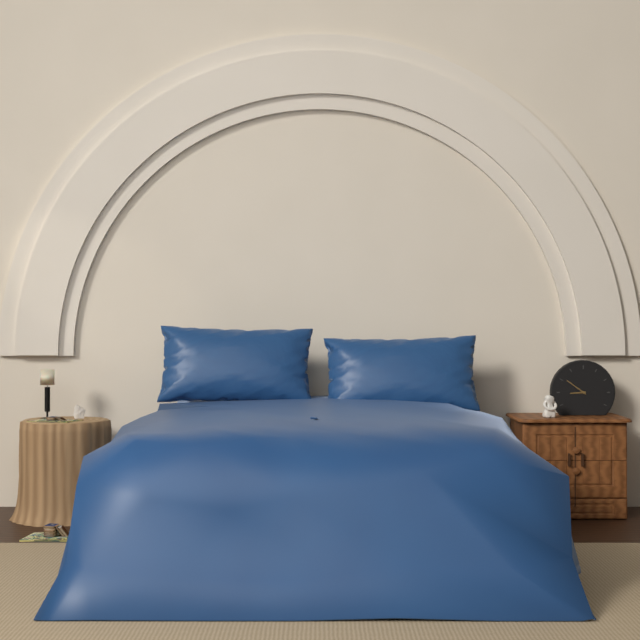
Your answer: **8:51**
